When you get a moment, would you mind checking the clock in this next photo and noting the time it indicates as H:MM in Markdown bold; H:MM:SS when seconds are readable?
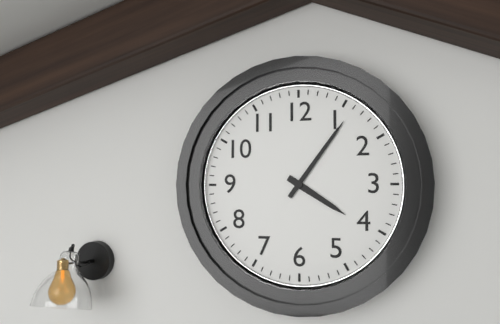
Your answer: **4:06**
